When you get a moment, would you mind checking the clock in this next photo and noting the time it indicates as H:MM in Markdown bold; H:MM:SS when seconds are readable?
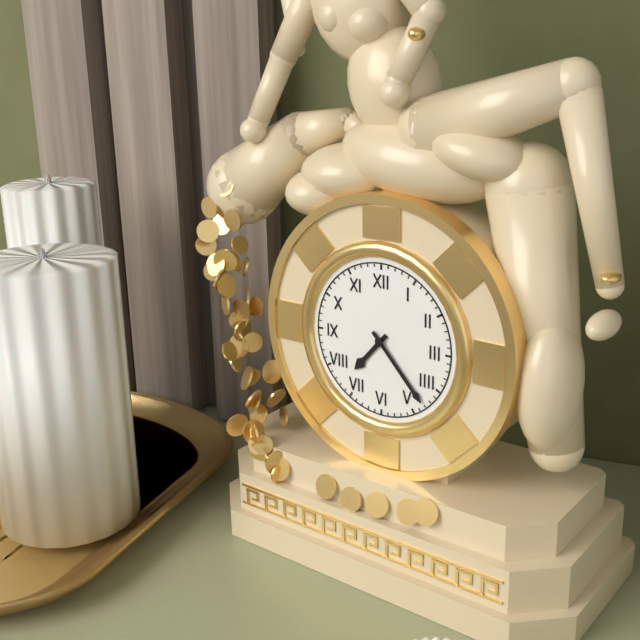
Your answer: **7:23**
